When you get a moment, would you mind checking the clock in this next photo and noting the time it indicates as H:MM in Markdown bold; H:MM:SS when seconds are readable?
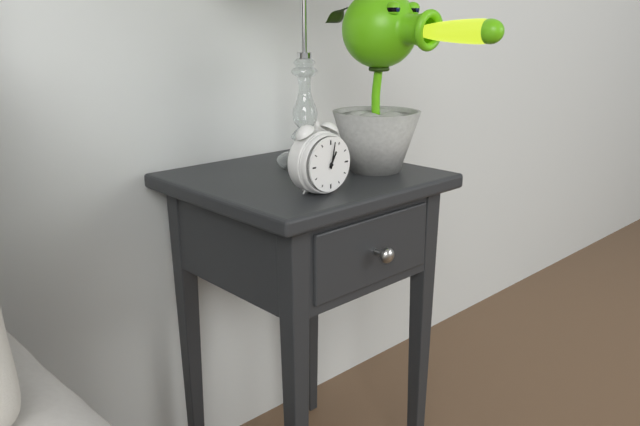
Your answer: **1:02**
